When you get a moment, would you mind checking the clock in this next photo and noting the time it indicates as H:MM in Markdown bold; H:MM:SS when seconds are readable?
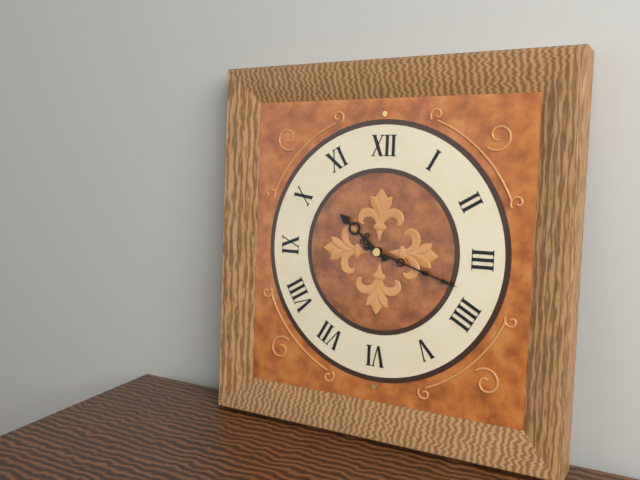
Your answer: **10:18**
